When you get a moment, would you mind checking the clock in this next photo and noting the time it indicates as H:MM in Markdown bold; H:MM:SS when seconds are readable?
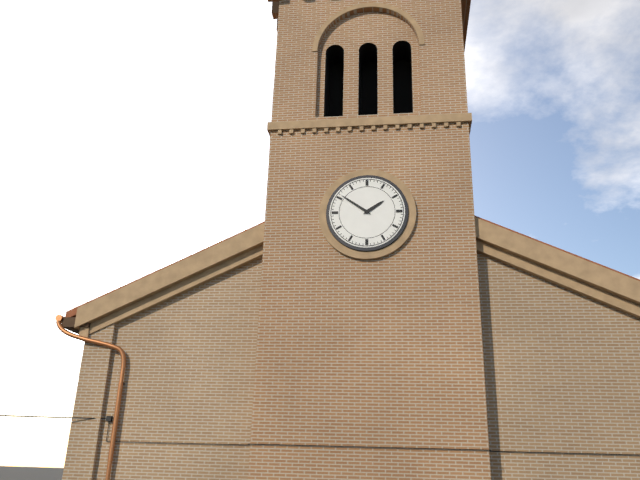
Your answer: **1:51**
